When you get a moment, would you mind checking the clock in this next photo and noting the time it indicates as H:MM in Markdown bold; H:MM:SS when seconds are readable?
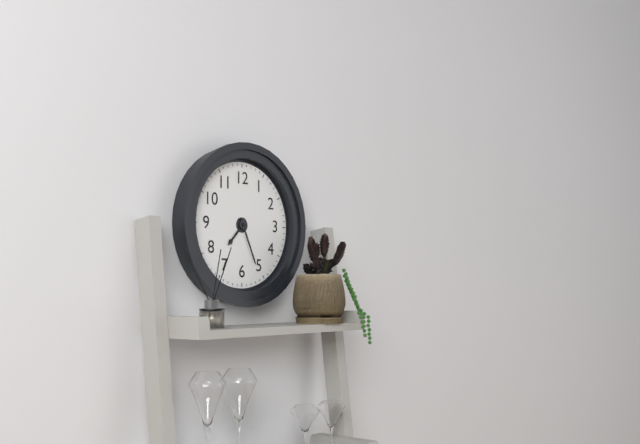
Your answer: **7:26**
